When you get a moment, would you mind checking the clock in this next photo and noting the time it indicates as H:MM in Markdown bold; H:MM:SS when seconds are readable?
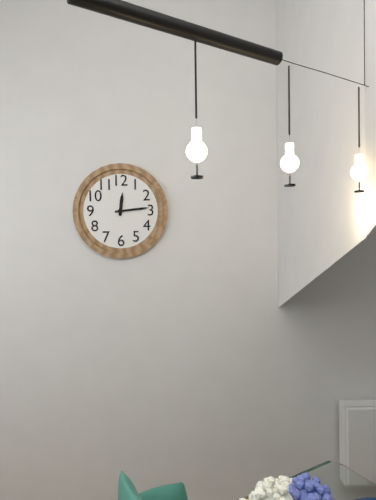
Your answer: **12:14**
